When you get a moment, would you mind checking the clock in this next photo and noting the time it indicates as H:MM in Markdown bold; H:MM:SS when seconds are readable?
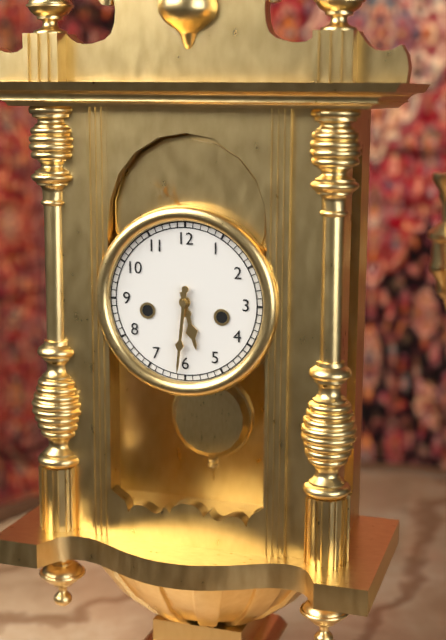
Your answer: **5:31**
